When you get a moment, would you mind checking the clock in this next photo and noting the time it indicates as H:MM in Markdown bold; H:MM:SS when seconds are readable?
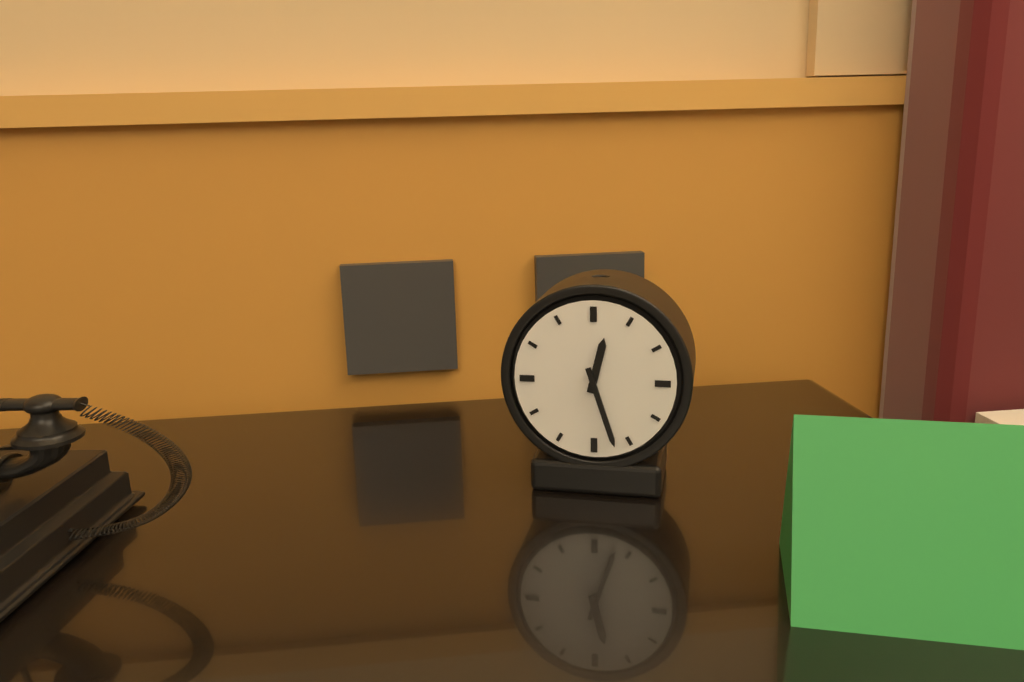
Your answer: **12:27**
